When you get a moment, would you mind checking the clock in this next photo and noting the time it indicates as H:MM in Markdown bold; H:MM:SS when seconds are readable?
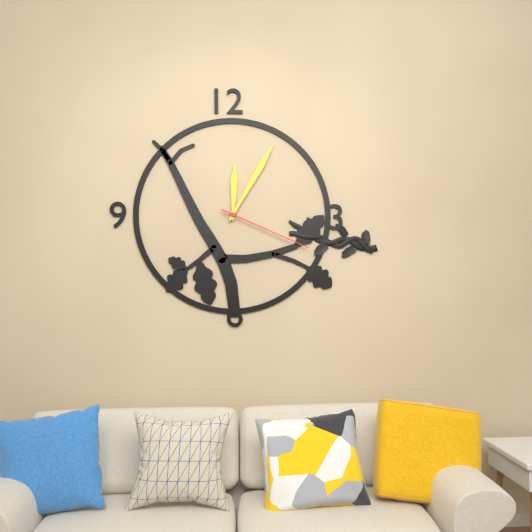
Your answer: **12:05:19**
